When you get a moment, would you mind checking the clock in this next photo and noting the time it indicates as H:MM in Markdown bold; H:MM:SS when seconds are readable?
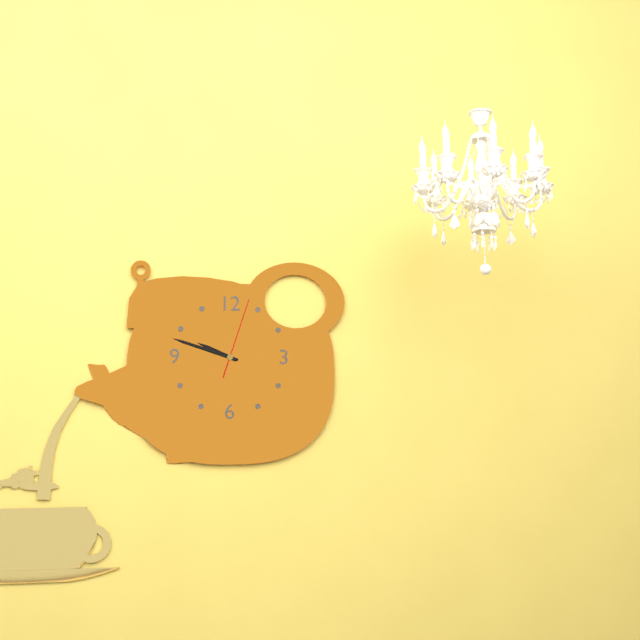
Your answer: **9:48:03**
